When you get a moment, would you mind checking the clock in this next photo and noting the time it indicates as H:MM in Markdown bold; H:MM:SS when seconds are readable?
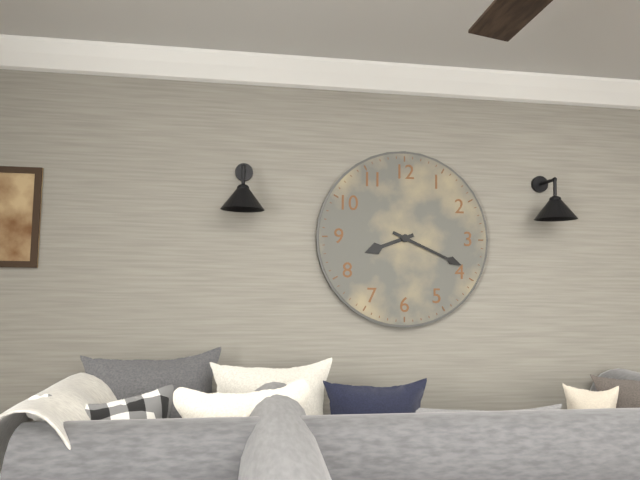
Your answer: **8:19**
